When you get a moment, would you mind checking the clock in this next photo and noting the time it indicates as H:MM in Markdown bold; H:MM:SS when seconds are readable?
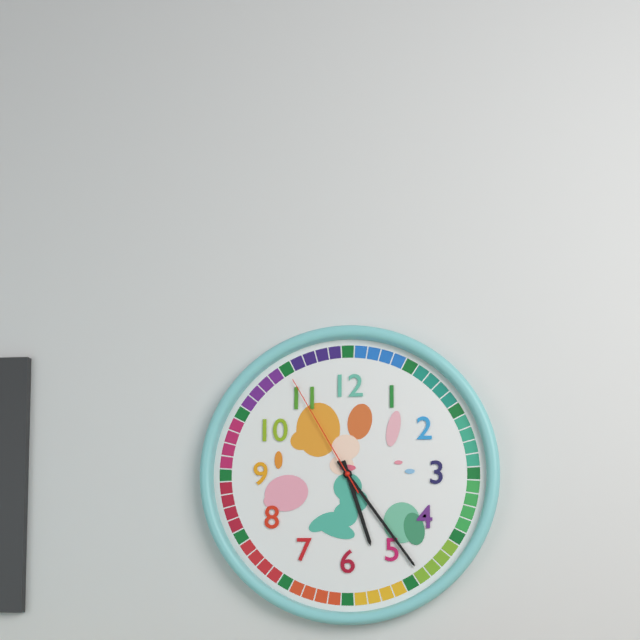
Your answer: **5:24:55**
